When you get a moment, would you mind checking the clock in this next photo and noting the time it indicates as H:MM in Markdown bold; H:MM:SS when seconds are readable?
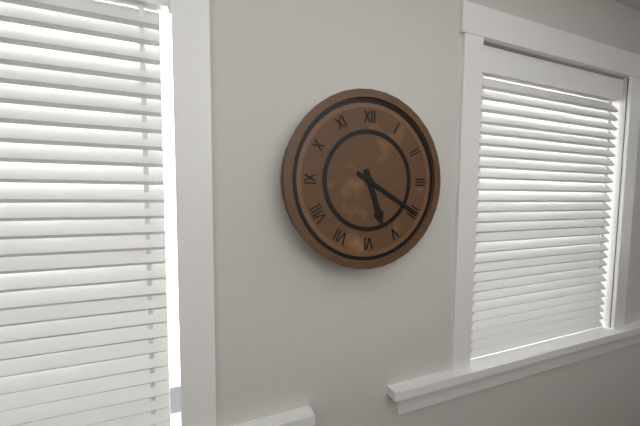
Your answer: **5:20**
